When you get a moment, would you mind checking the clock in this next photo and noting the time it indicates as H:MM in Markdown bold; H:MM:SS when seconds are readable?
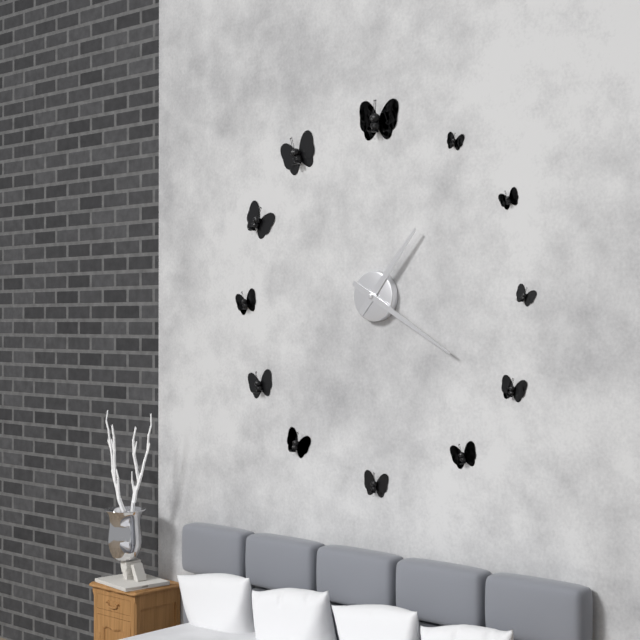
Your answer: **1:20**
